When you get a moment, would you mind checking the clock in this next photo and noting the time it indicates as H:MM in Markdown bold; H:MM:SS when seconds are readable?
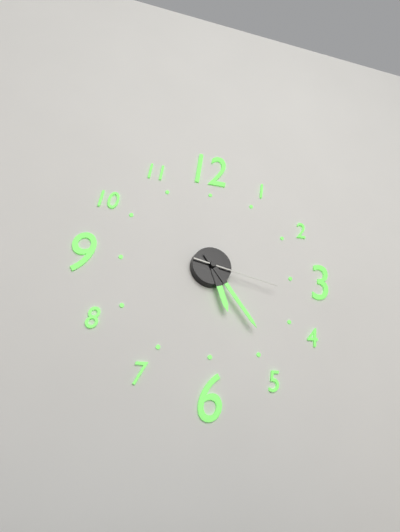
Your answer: **5:24:17**
